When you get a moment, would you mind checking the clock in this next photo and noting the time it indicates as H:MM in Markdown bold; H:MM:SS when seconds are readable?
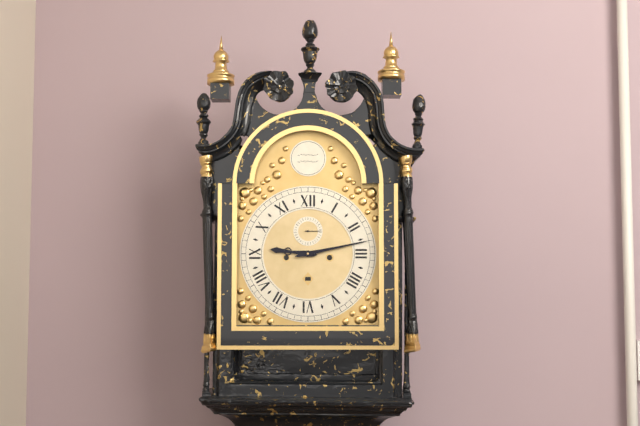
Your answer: **9:13**
